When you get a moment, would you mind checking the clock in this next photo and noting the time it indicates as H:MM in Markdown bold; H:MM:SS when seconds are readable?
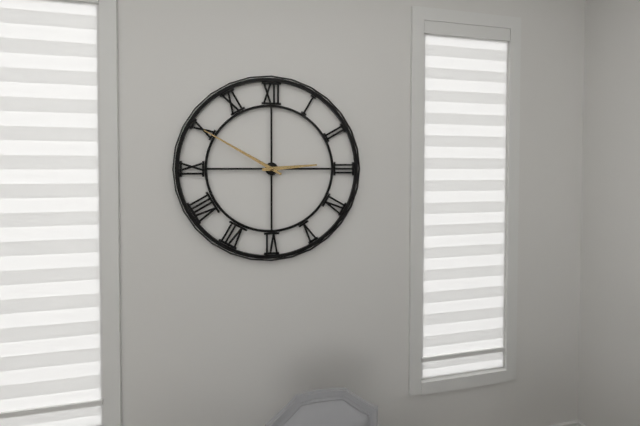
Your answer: **2:50**
